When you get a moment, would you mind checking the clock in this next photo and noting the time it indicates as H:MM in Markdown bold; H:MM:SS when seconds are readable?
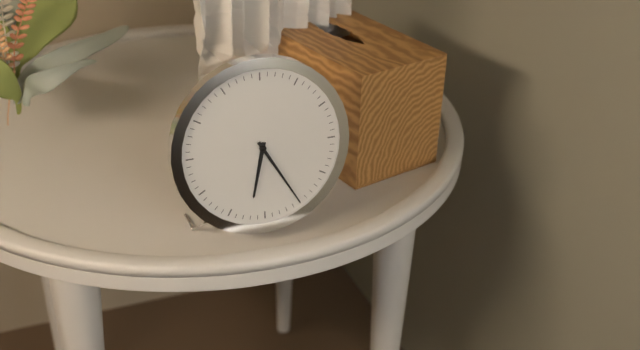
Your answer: **6:25**
